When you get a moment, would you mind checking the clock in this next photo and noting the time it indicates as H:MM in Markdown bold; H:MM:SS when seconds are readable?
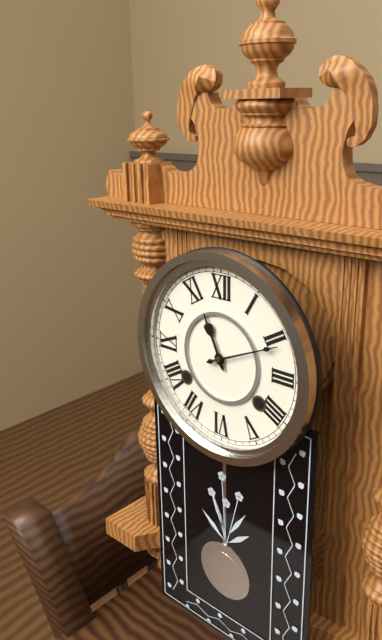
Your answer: **11:11**
